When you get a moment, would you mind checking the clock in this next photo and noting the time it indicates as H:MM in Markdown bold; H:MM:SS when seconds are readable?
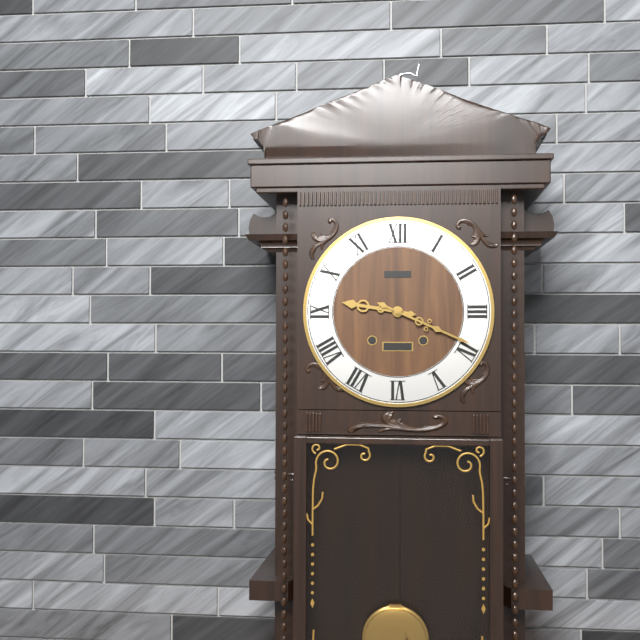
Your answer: **9:19**
